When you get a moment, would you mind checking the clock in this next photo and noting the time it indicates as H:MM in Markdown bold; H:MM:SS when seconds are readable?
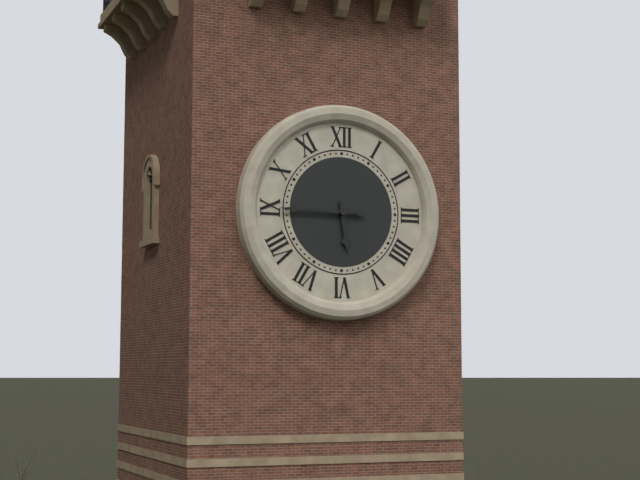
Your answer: **5:45**
